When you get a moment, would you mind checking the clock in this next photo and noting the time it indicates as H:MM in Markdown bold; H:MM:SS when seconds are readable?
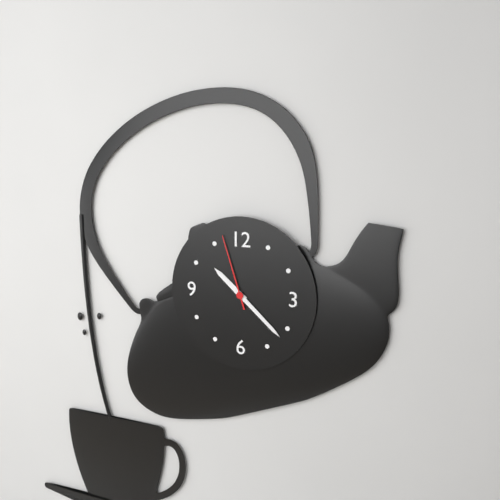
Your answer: **10:22:57**
